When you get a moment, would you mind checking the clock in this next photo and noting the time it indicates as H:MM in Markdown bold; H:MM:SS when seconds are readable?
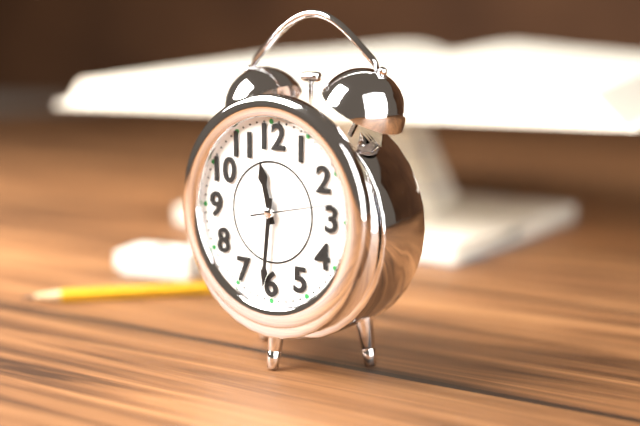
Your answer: **11:31:13**
